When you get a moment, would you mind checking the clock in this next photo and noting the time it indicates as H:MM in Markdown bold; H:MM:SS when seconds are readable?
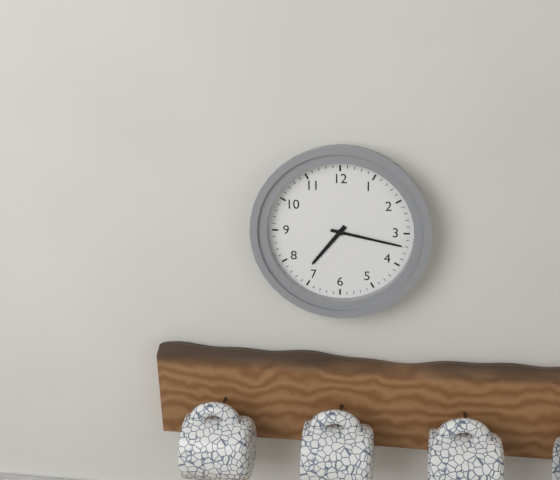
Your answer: **7:17**
